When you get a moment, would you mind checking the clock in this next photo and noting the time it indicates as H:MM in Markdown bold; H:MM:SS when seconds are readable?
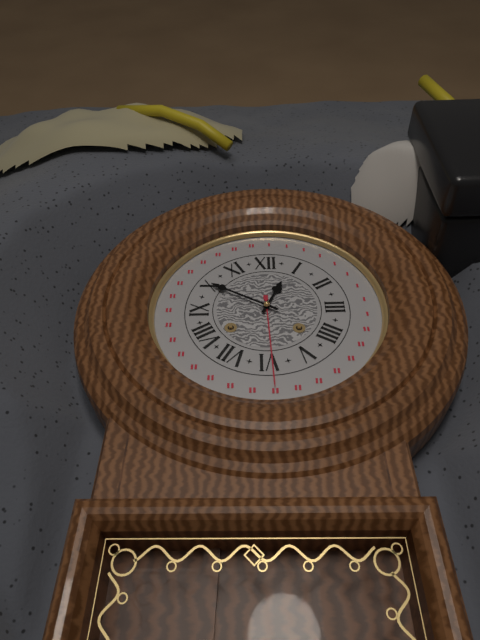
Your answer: **12:50**
